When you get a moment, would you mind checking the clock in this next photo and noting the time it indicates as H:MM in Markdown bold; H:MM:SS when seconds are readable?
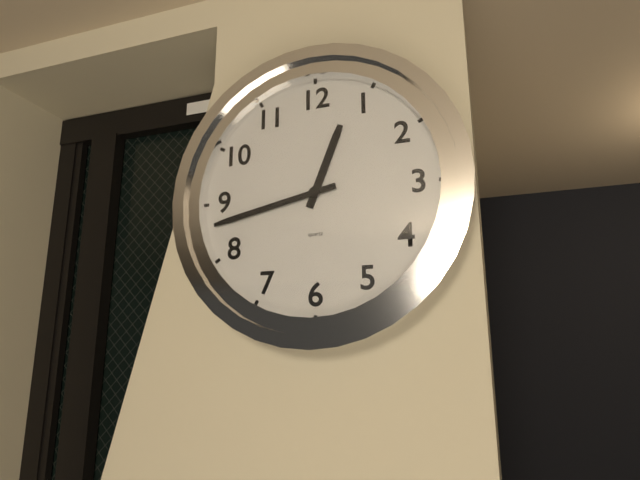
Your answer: **12:43**
